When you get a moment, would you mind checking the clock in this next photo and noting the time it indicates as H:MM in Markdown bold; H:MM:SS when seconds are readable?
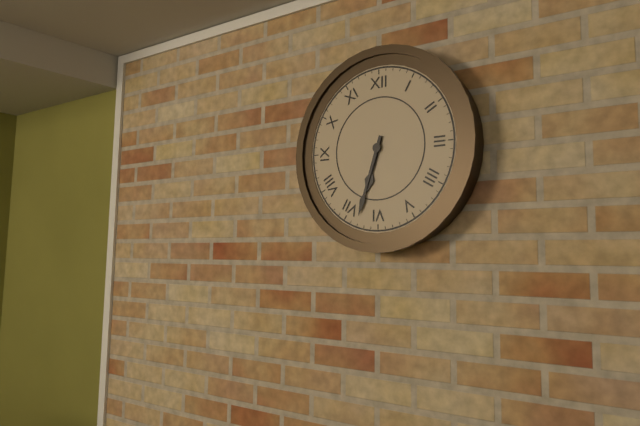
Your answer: **6:33**
